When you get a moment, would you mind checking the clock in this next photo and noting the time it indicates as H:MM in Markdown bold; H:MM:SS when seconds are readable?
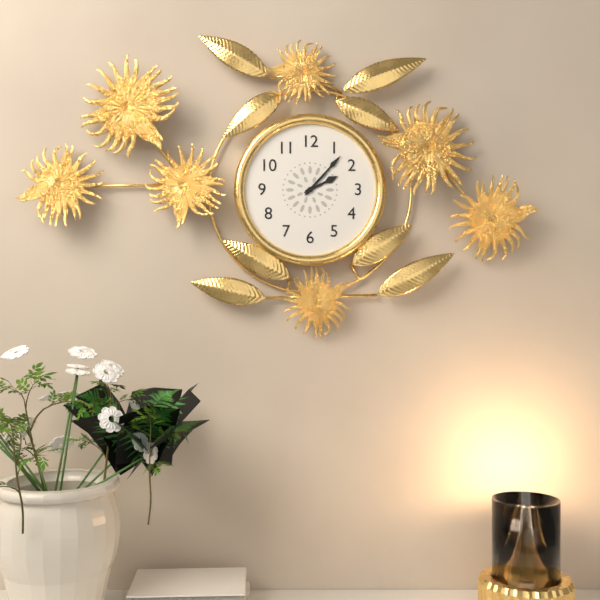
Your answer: **2:07**
